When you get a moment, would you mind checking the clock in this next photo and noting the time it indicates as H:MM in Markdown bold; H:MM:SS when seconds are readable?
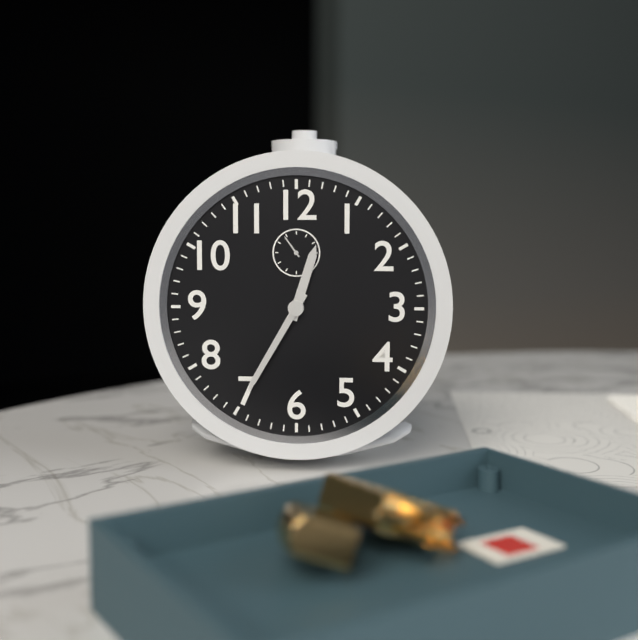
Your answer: **12:35**
